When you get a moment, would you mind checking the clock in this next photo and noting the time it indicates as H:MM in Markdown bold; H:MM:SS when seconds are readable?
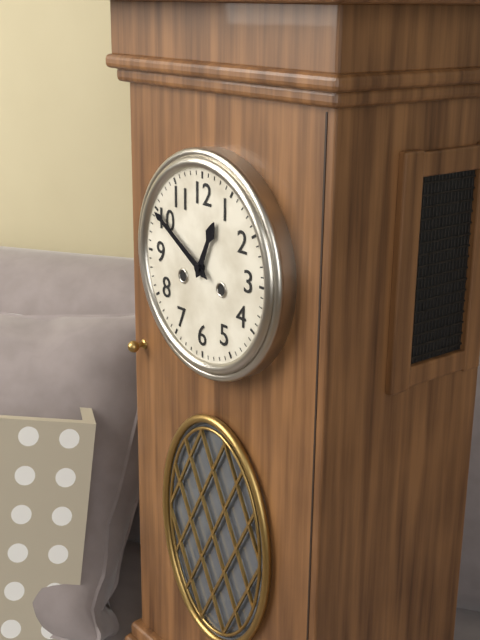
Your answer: **12:50**
